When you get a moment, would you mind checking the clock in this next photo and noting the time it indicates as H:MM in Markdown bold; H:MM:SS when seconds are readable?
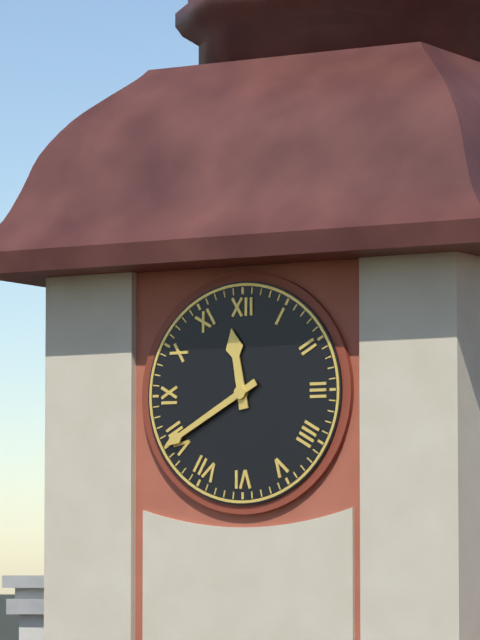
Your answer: **11:40**
